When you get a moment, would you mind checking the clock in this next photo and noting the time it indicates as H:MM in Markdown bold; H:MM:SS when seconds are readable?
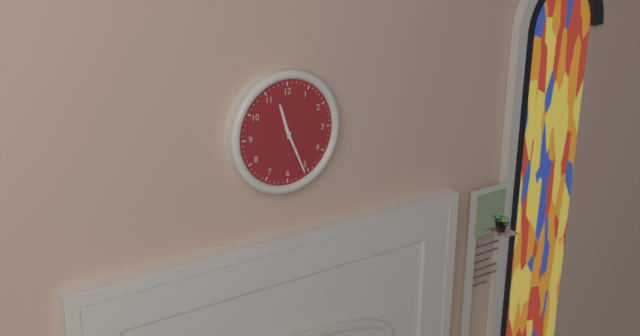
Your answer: **11:26**
